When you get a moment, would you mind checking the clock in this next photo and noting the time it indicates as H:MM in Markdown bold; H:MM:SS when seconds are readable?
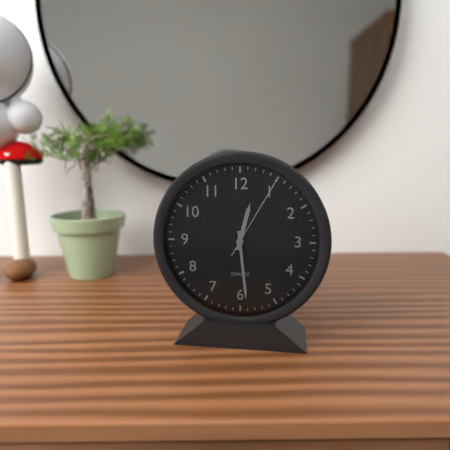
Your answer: **12:29:05**
